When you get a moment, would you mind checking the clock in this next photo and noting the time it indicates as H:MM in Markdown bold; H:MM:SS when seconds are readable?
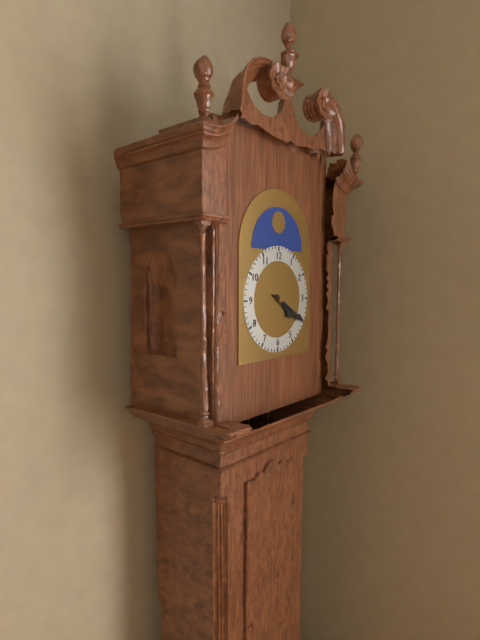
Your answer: **4:20**
